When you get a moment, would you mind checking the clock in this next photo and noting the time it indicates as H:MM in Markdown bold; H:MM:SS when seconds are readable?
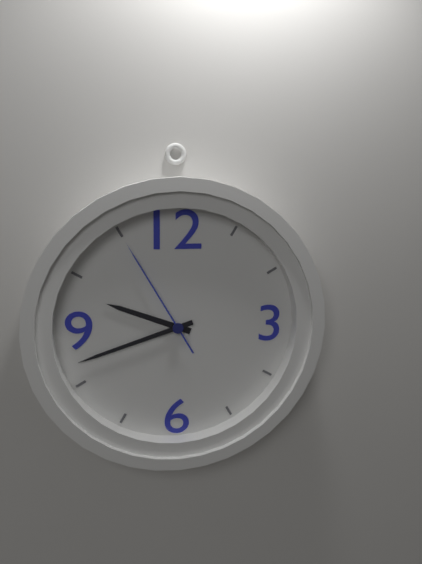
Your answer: **9:42:55**
